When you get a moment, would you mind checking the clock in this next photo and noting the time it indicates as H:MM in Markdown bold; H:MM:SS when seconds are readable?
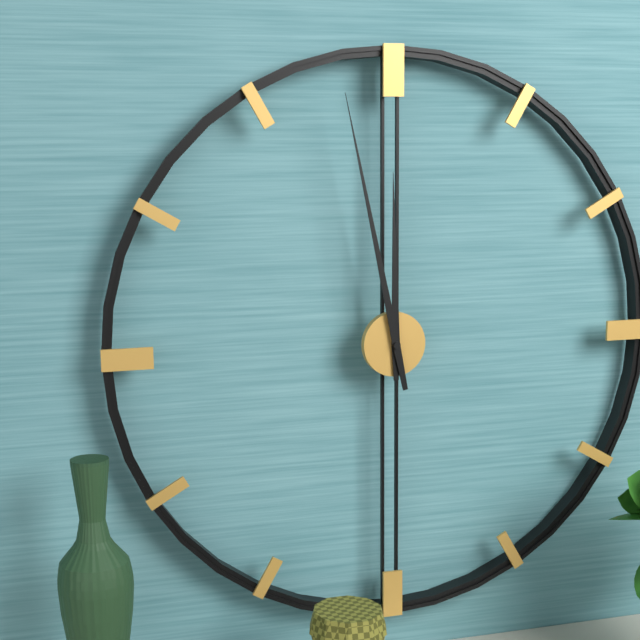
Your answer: **11:58**
